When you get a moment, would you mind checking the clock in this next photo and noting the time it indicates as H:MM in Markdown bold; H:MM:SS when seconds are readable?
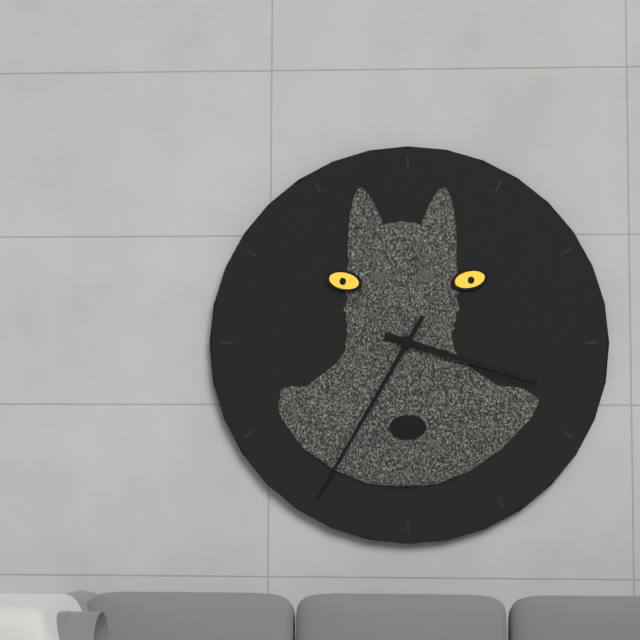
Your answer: **3:35**
